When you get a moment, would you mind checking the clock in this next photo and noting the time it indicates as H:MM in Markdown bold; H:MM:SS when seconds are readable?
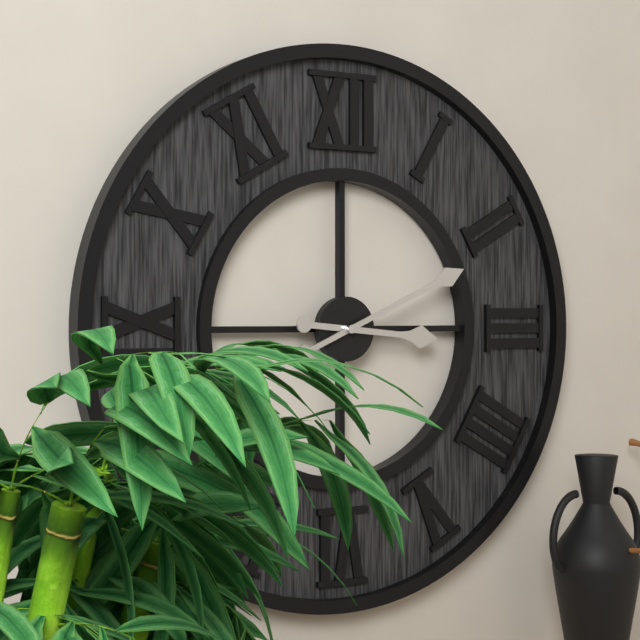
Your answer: **3:11**
